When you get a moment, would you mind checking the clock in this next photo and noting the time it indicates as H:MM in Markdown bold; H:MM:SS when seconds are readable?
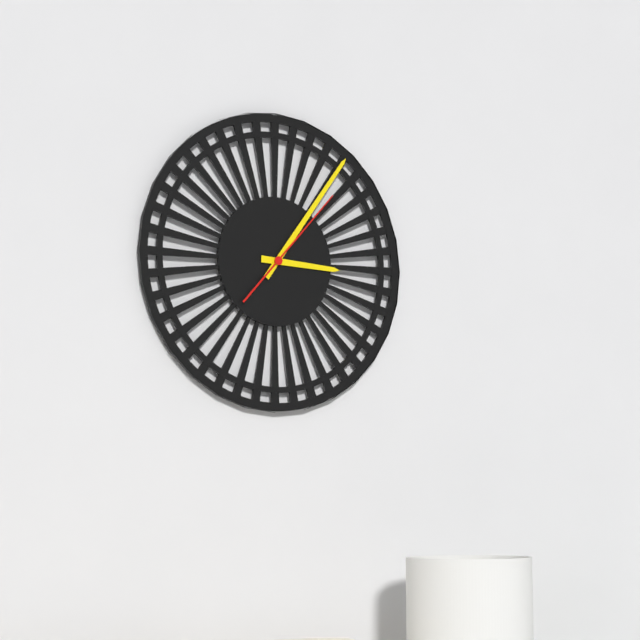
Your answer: **3:06:07**
